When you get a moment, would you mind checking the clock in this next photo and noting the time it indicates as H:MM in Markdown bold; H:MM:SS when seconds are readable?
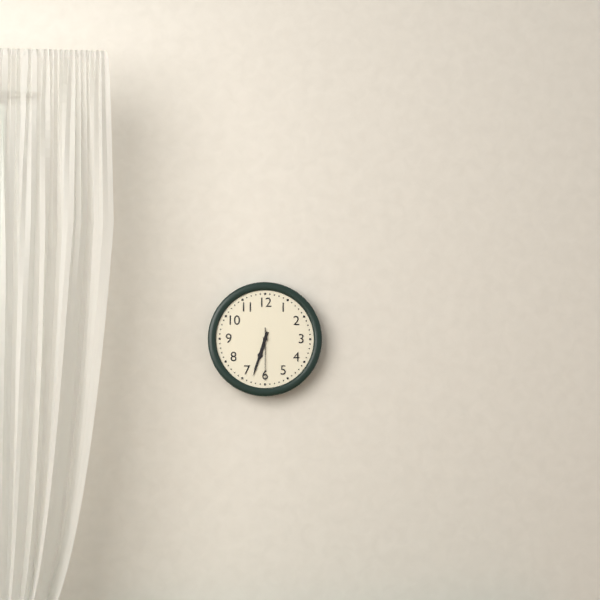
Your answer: **6:33:30**
